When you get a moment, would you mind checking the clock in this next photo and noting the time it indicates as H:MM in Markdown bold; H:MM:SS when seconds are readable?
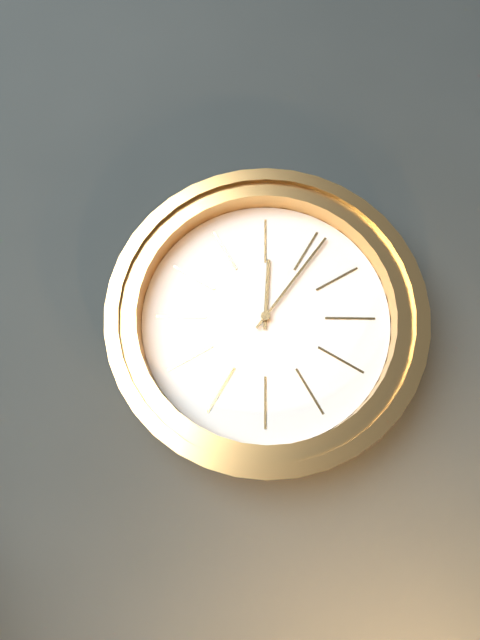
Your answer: **12:06**
